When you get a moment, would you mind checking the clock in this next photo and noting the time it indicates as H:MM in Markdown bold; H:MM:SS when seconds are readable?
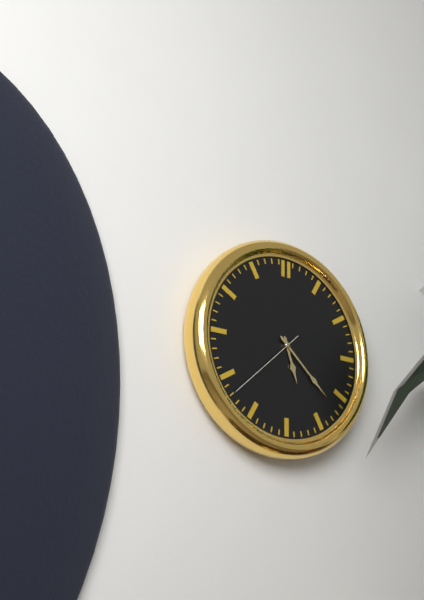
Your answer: **5:22:38**
